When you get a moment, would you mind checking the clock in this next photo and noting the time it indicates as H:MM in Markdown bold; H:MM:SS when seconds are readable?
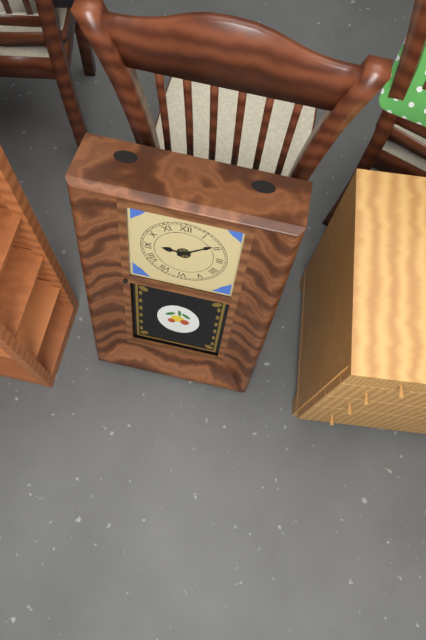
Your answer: **9:09**
